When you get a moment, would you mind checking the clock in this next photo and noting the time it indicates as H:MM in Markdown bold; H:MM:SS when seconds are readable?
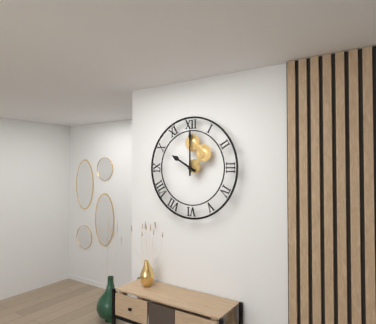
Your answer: **10:00**
